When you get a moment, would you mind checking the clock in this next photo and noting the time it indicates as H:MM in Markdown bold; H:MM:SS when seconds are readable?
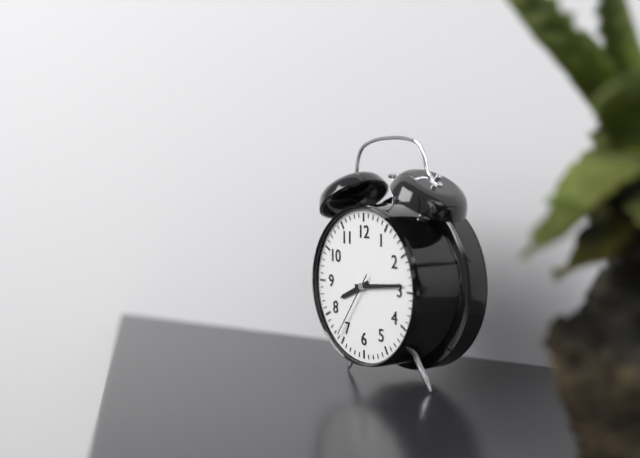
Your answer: **8:14:36**
